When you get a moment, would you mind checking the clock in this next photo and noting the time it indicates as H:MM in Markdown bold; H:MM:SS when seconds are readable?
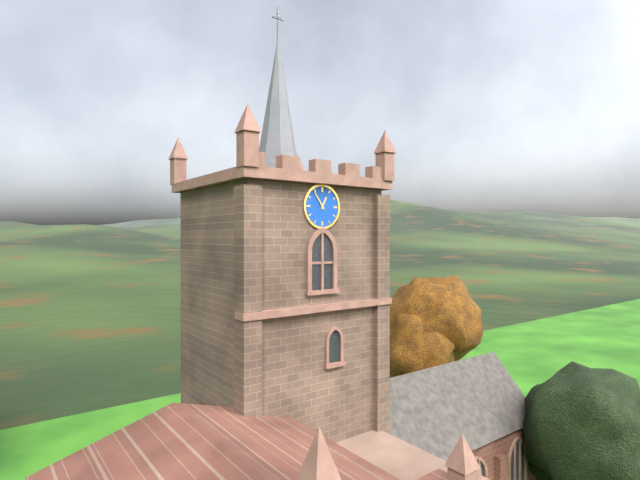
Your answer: **12:54**
